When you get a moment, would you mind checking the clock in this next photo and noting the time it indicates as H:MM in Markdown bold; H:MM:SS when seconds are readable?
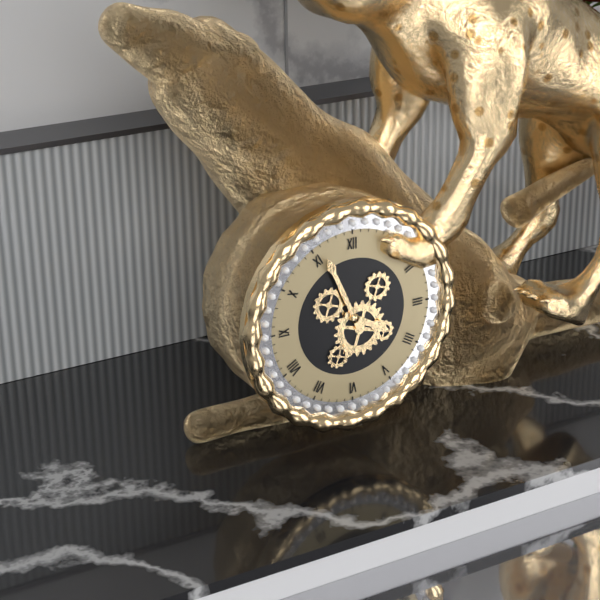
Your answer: **3:56**
